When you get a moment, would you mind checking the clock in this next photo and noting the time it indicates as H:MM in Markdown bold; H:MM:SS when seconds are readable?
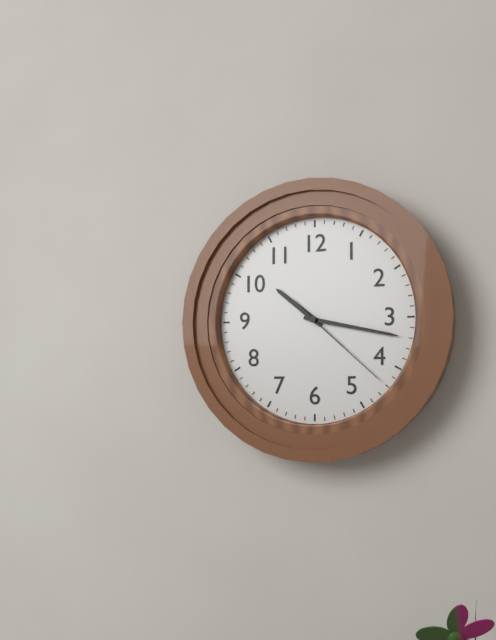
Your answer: **10:17:22**
